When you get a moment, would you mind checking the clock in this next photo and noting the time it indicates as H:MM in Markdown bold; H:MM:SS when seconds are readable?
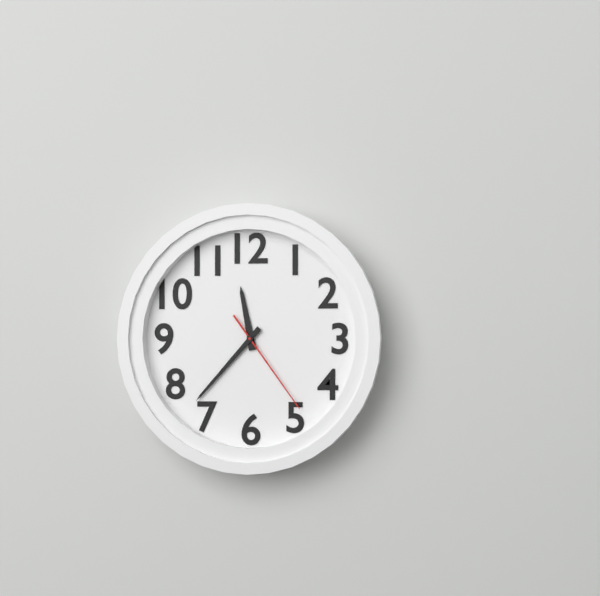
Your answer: **11:37:24**
